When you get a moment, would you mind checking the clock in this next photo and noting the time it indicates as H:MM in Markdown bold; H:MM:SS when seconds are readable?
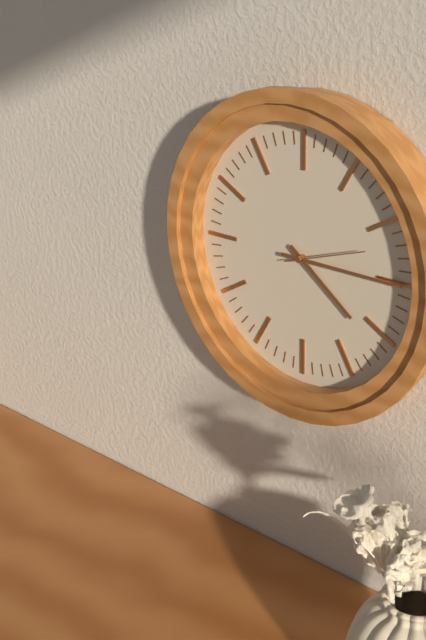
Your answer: **4:15:12**
